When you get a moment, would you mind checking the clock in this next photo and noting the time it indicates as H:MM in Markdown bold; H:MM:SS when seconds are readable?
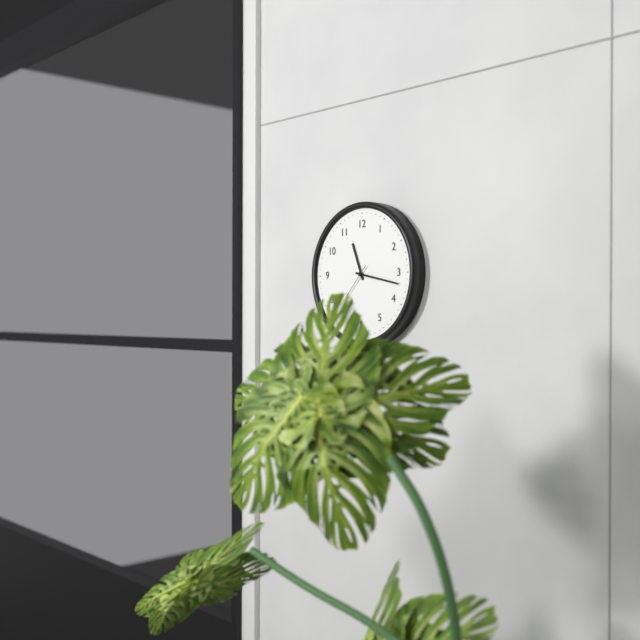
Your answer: **11:17:37**
